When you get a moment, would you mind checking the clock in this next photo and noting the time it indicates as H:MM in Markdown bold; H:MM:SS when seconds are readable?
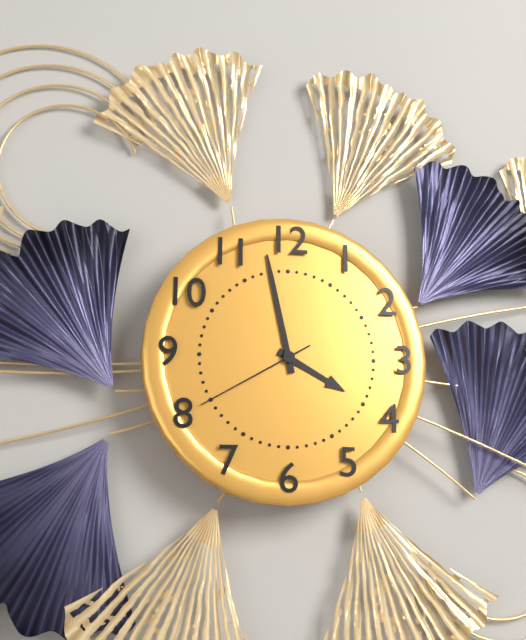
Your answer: **3:58:40**
